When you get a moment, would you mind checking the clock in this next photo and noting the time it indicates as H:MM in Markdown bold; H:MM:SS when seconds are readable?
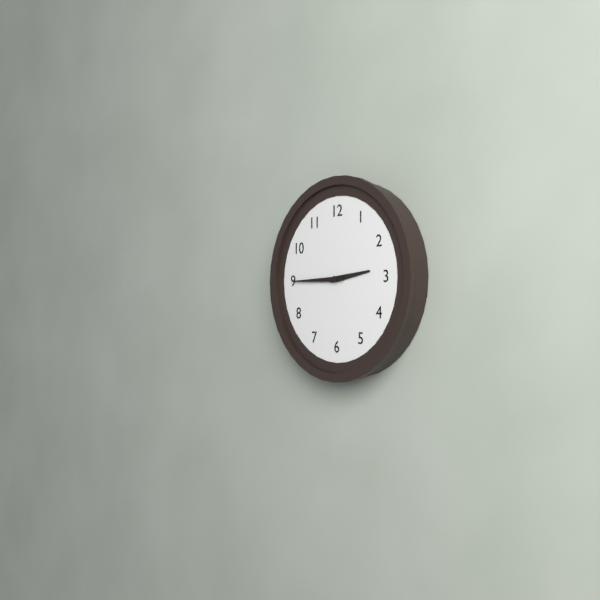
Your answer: **2:45**
